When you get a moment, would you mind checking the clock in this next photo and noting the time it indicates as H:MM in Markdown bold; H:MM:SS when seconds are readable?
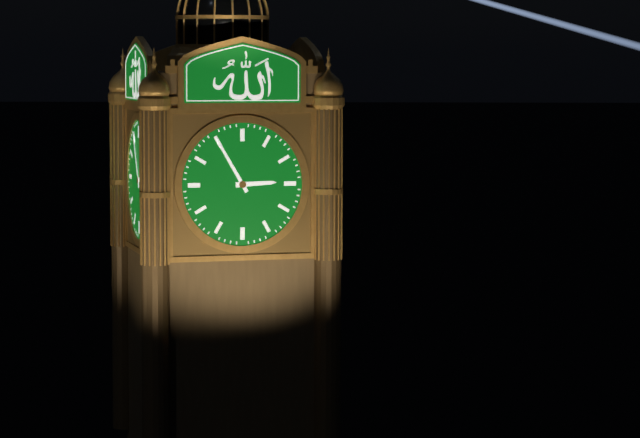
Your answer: **2:55**
